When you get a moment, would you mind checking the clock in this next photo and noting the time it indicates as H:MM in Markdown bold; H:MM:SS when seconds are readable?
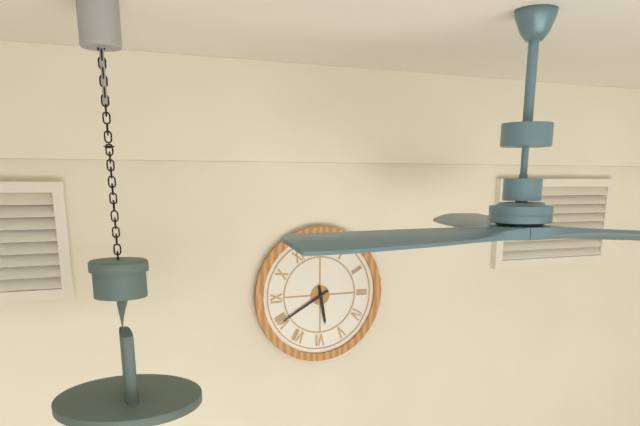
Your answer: **5:40**
